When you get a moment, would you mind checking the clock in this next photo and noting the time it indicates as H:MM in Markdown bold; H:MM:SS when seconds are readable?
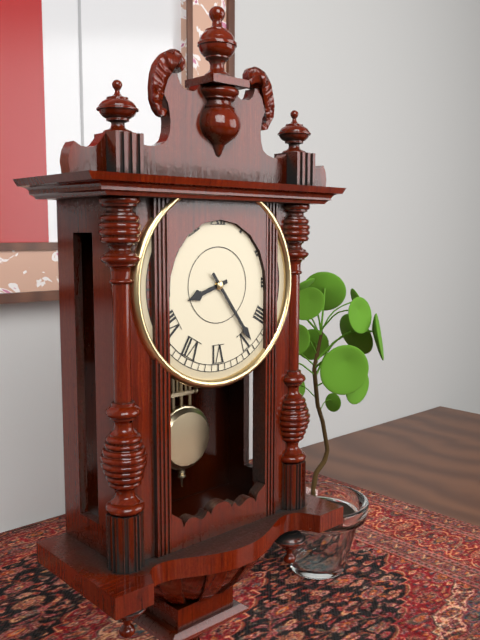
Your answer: **8:24**
